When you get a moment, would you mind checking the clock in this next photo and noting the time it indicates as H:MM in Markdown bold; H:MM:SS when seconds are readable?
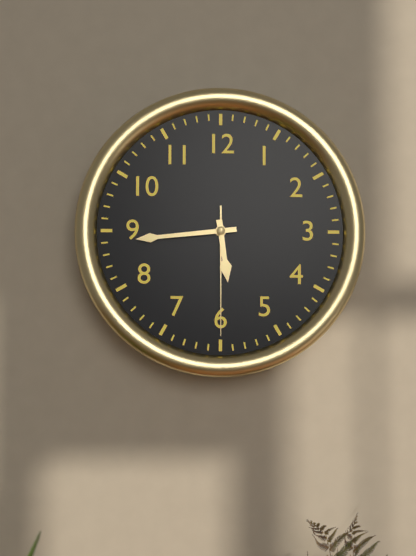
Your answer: **5:44:30**
